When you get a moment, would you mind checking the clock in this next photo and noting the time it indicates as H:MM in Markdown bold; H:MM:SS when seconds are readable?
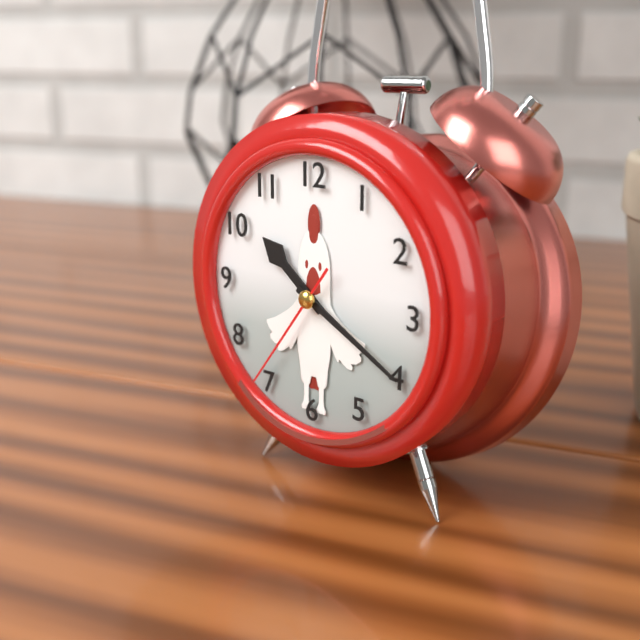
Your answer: **10:20:36**
